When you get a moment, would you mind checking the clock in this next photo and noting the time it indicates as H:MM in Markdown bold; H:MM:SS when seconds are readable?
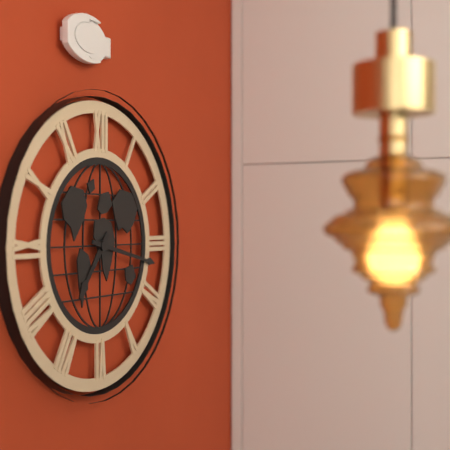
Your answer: **7:17**
